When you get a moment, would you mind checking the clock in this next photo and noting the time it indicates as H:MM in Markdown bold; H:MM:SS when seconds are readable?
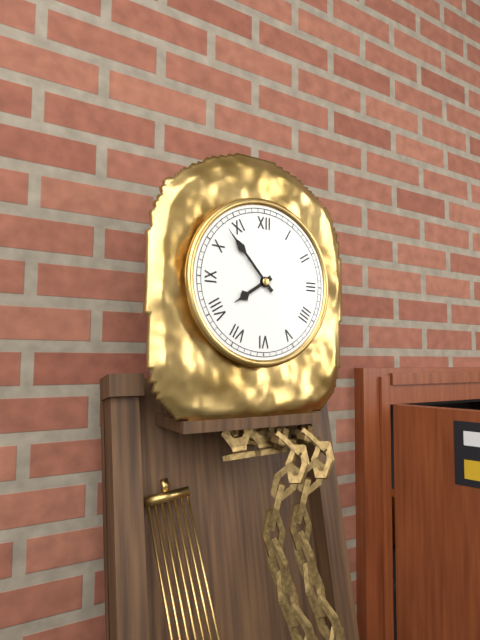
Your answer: **7:53**
